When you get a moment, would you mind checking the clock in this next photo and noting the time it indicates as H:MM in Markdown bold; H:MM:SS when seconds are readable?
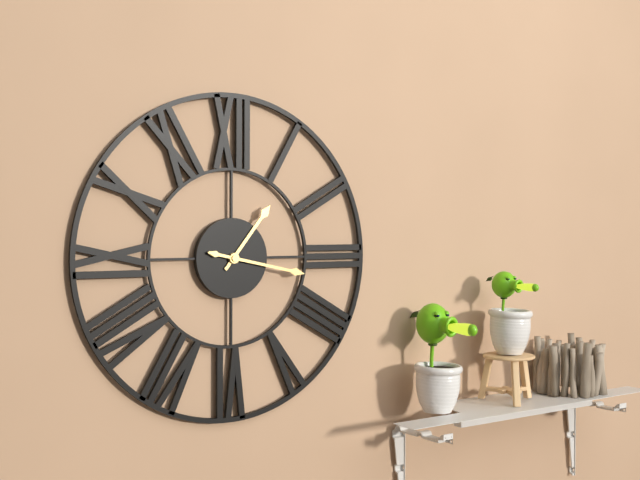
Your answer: **1:17**
